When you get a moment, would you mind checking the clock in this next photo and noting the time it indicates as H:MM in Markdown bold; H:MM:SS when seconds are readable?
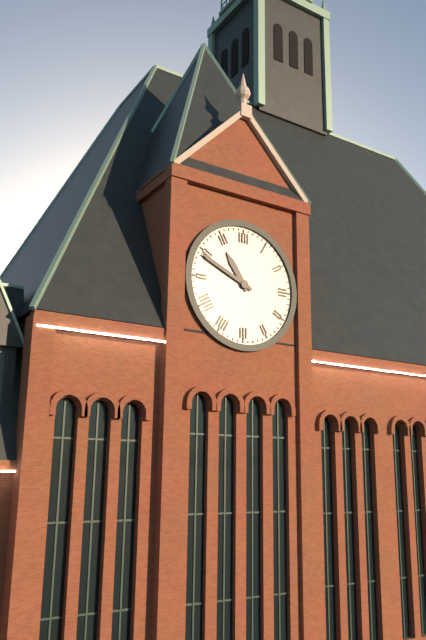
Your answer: **10:49**
